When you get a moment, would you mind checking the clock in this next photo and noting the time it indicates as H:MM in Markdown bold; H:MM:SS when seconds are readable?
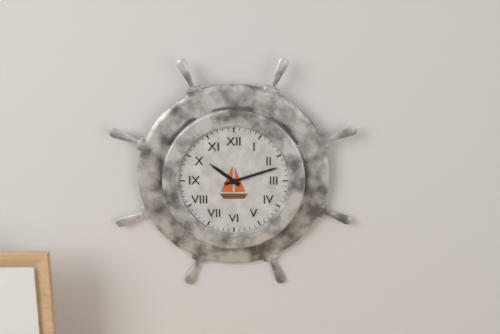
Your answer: **10:12**
